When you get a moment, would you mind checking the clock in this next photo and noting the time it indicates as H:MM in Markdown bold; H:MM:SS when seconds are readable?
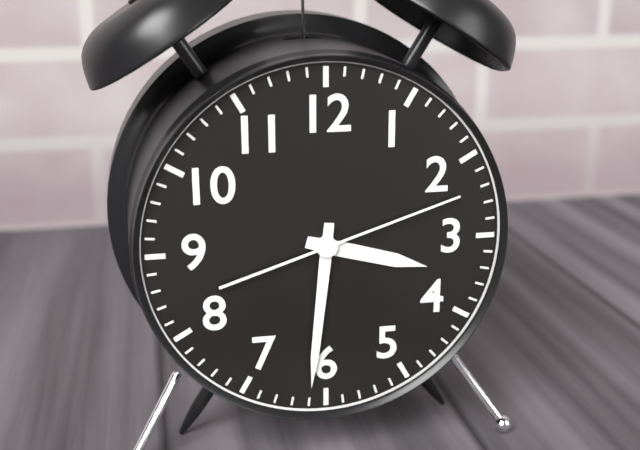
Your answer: **3:31:12**
